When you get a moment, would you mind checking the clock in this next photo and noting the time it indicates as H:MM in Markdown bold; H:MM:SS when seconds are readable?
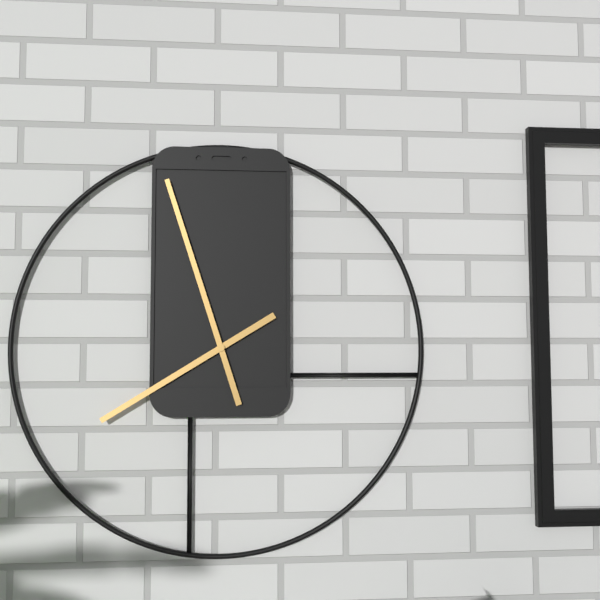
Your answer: **7:57**
